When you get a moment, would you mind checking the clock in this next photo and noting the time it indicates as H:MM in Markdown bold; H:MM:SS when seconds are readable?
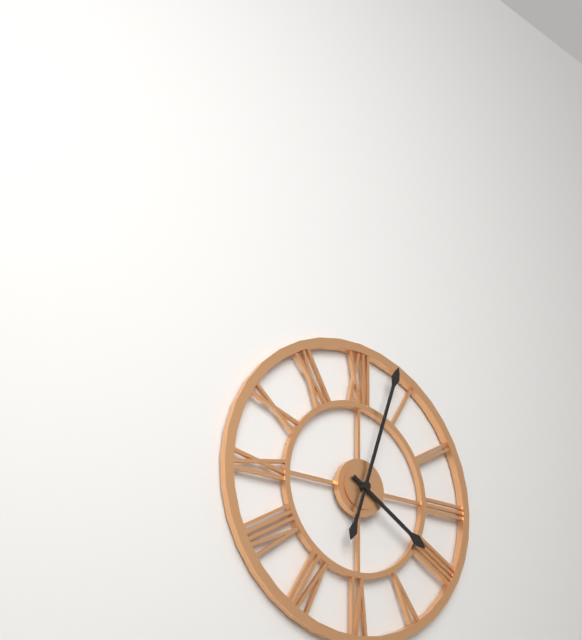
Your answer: **4:03**
